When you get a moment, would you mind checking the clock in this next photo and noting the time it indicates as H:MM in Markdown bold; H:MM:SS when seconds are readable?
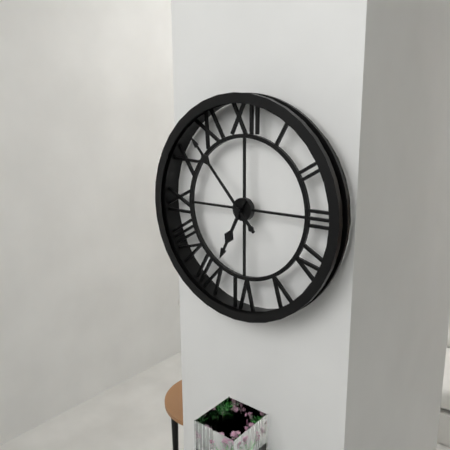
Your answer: **6:53**
